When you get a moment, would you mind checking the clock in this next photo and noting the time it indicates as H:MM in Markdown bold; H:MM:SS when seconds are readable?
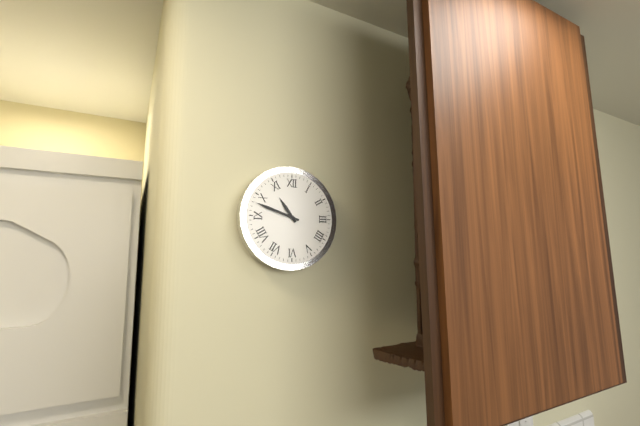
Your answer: **10:48**
